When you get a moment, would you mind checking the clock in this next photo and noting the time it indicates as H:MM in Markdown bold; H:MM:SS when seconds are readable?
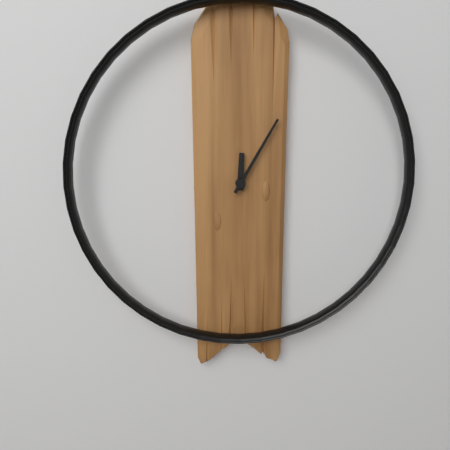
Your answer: **12:05**
